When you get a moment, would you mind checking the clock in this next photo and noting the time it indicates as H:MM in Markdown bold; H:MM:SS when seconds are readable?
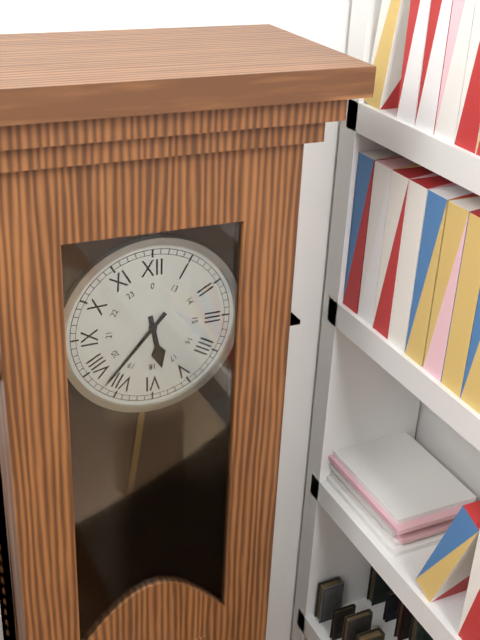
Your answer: **5:37**
